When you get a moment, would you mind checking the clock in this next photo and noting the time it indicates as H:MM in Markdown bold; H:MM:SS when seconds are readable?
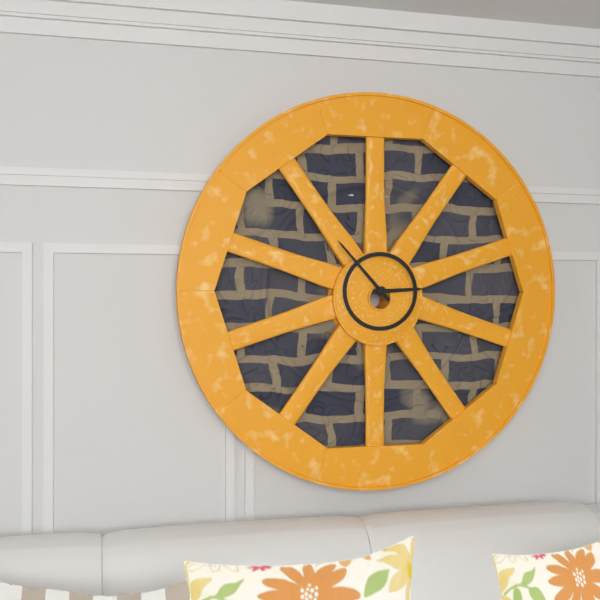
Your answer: **2:53**
